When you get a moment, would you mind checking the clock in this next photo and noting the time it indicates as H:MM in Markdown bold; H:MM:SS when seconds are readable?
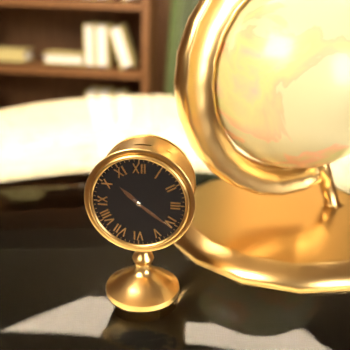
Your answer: **10:21**
